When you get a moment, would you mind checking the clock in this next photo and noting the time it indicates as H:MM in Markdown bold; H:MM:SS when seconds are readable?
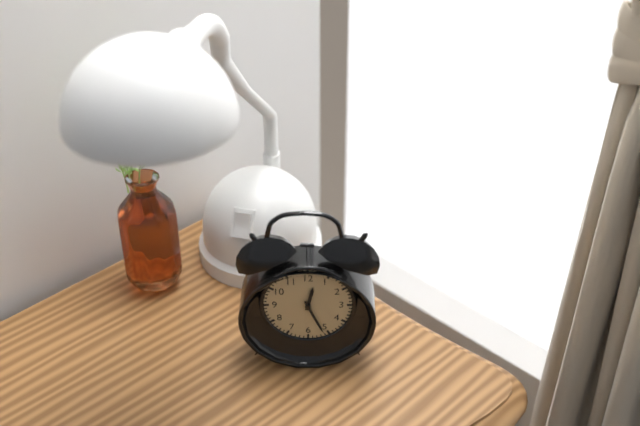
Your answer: **12:26**
